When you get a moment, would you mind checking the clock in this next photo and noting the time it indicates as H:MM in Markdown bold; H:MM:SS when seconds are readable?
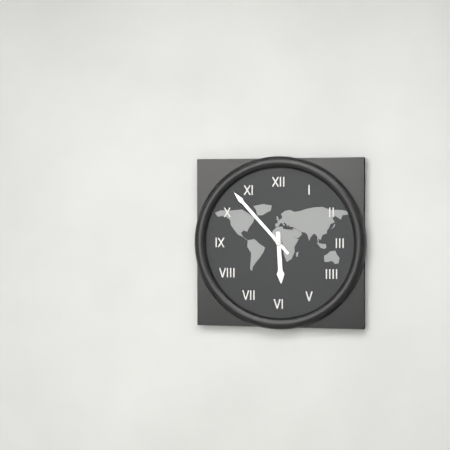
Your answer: **5:53**
